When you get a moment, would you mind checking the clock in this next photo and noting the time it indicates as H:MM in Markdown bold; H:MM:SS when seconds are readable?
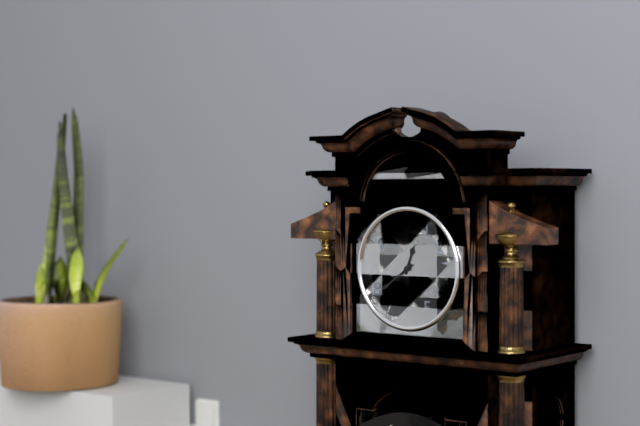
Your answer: **12:39**
